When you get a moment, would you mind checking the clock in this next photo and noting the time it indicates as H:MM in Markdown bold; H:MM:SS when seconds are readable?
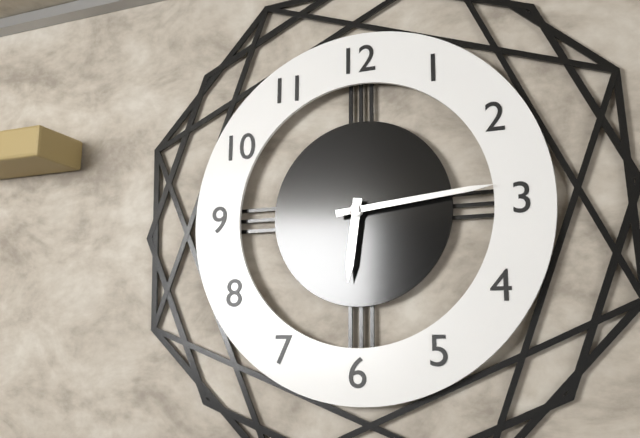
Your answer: **6:14**
